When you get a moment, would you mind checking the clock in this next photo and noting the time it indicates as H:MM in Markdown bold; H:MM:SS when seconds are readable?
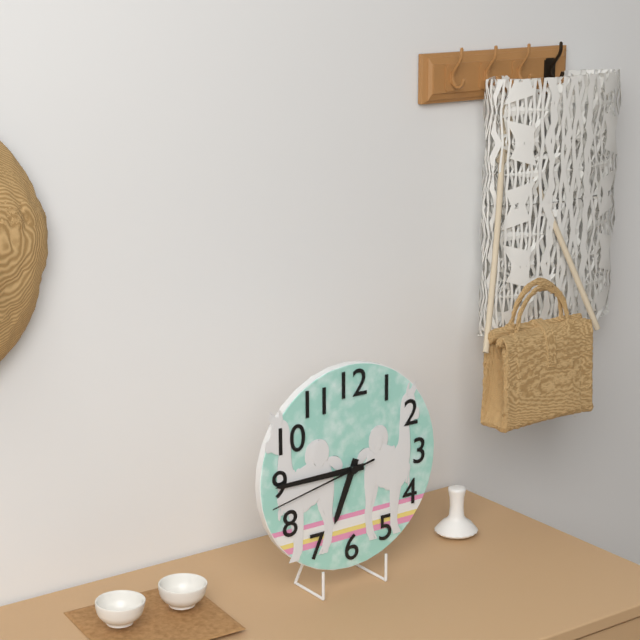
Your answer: **6:45:43**
